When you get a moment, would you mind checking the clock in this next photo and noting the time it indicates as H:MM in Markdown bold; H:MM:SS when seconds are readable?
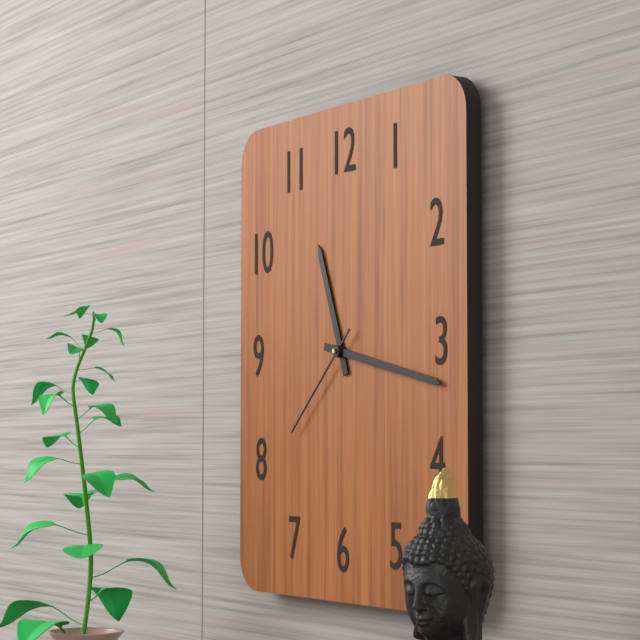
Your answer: **11:17:38**
